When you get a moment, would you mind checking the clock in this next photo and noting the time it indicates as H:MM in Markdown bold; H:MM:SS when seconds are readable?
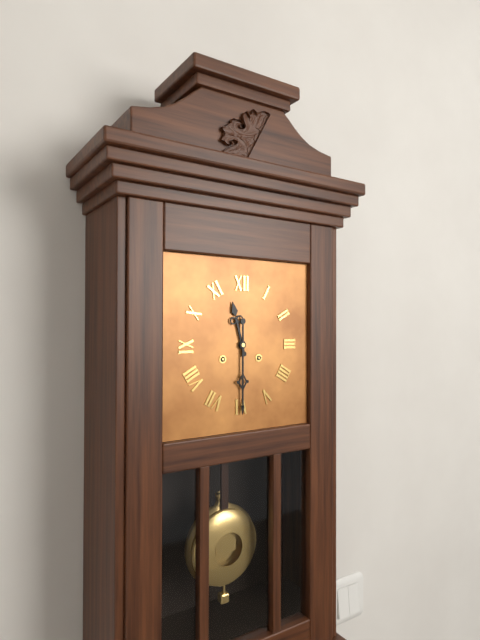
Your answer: **11:30**
